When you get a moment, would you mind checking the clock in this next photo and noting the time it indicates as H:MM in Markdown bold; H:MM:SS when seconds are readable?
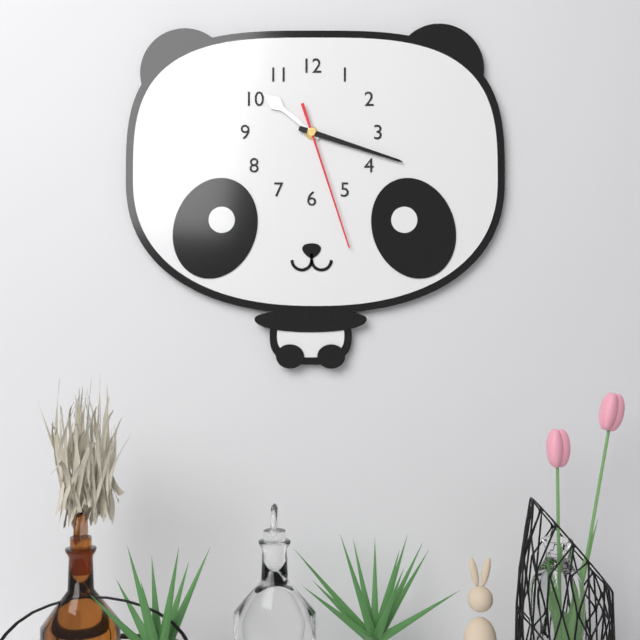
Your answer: **10:18:27**
